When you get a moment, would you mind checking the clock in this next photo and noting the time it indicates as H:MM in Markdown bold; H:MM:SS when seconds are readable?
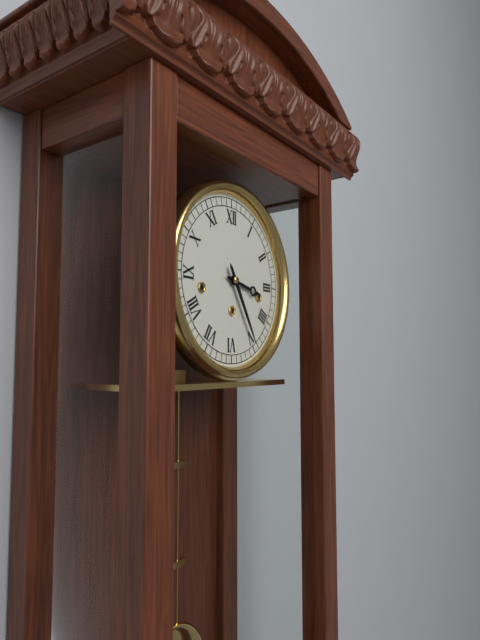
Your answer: **3:25**
